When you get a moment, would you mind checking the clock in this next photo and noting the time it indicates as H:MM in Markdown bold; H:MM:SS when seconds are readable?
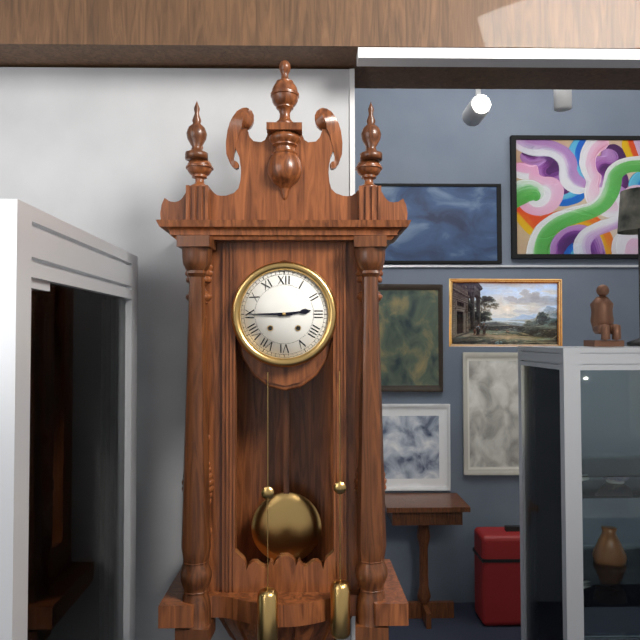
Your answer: **2:45**
